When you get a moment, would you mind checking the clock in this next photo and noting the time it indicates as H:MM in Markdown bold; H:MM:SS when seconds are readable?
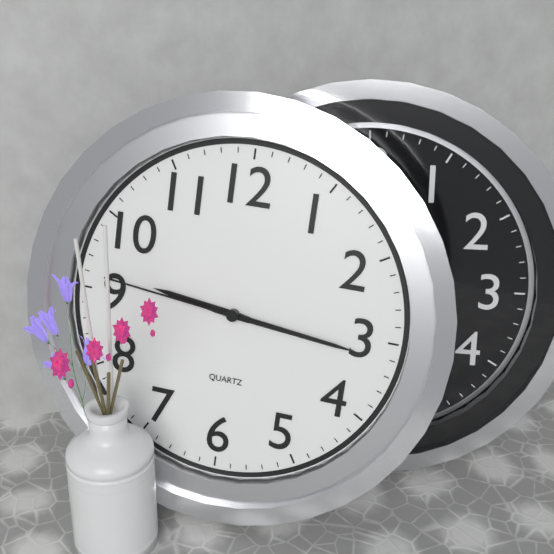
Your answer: **9:16:46**
